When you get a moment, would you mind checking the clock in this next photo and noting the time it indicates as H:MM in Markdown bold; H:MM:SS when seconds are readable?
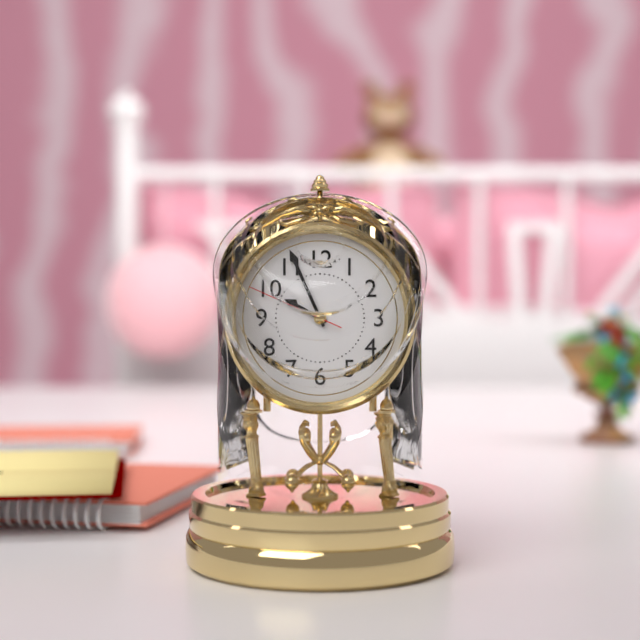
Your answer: **9:56:49**
